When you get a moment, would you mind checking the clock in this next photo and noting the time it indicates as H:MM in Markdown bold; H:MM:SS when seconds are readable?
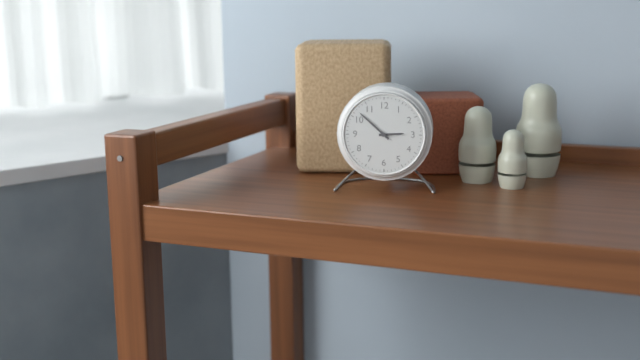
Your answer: **2:52**
